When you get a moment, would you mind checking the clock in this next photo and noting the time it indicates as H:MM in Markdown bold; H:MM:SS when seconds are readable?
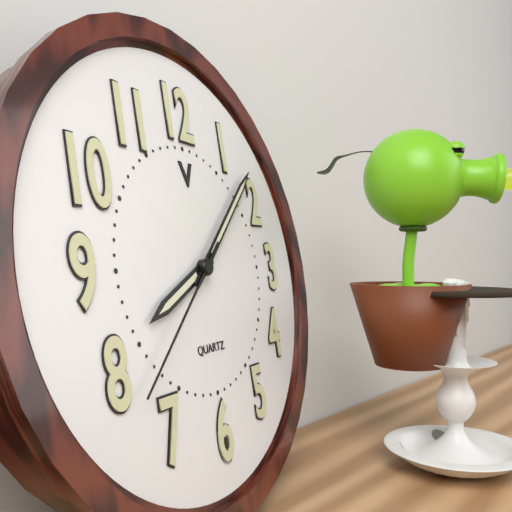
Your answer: **8:08:38**
